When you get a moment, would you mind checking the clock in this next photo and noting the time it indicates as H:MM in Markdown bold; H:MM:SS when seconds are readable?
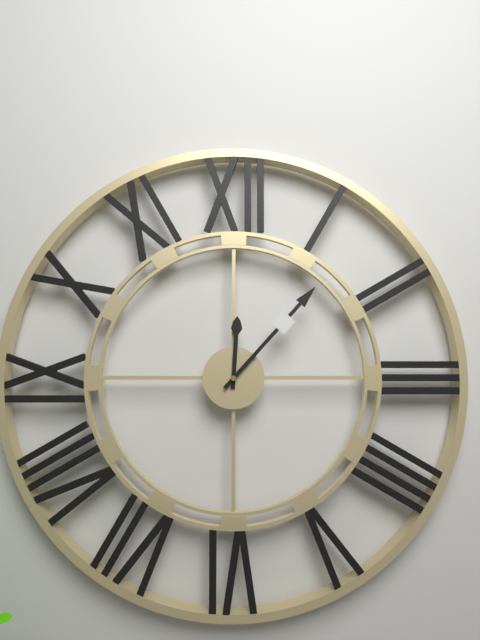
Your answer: **12:07**
